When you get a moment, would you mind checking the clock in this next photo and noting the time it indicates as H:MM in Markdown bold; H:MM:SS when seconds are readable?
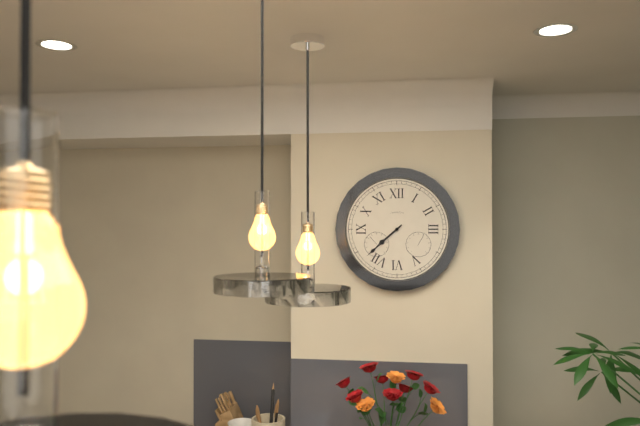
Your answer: **7:38**
